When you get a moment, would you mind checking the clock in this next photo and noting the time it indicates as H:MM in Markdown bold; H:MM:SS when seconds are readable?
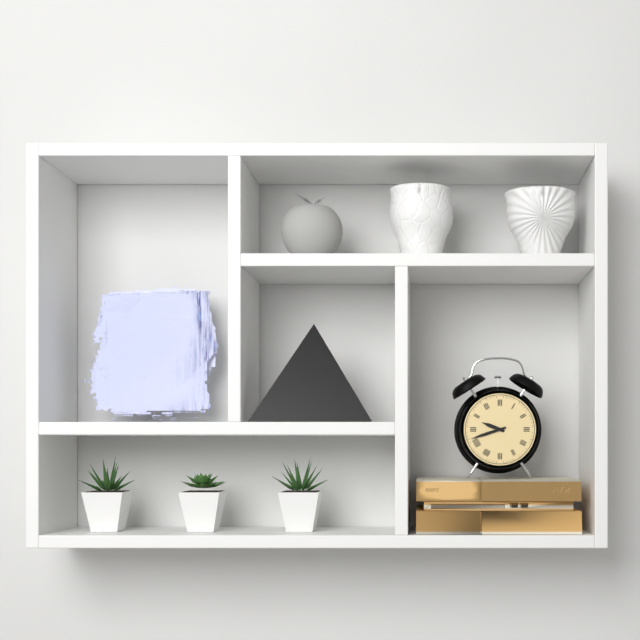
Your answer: **9:42**
